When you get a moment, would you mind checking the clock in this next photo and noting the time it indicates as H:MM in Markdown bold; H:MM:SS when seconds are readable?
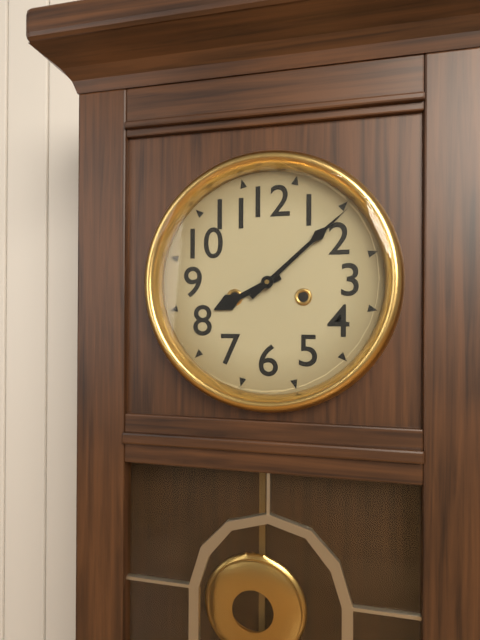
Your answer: **8:08**
